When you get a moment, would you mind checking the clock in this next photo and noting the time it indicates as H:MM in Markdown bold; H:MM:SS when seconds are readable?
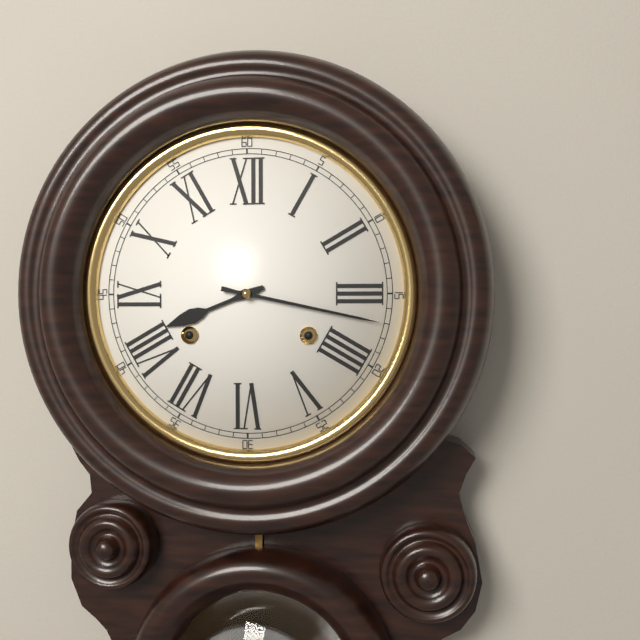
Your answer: **8:17**
